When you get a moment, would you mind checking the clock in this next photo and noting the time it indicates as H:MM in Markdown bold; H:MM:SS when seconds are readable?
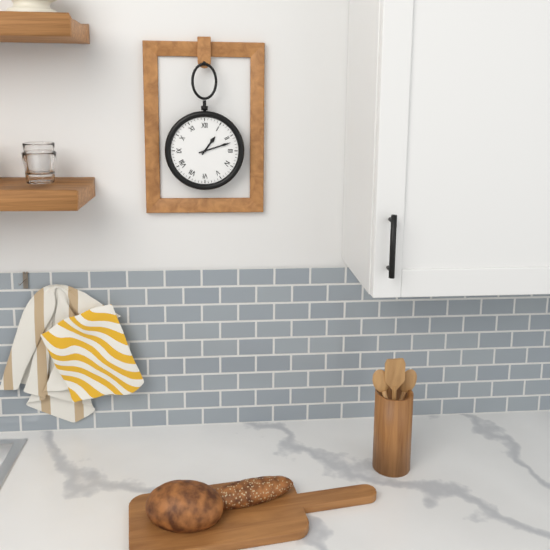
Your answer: **1:12**
